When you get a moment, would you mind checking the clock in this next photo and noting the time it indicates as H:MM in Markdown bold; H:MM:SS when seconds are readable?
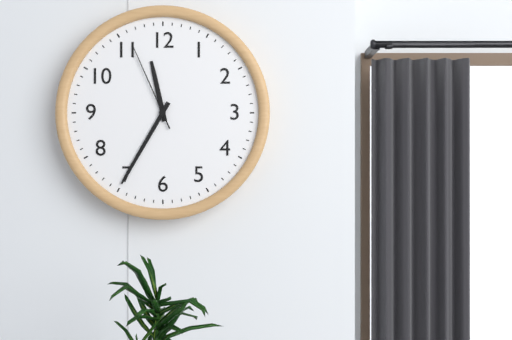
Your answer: **11:35:56**
